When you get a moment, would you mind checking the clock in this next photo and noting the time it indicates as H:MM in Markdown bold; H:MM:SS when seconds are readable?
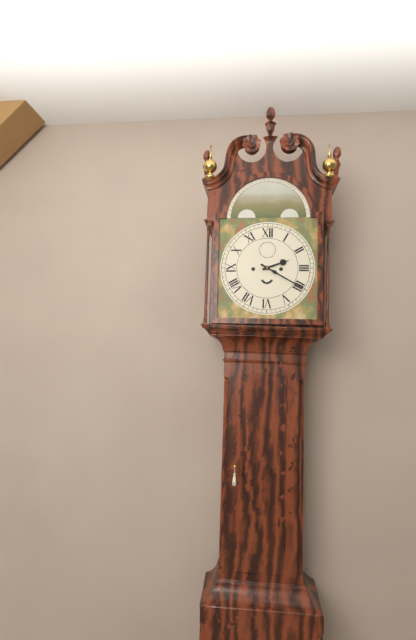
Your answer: **2:20**
